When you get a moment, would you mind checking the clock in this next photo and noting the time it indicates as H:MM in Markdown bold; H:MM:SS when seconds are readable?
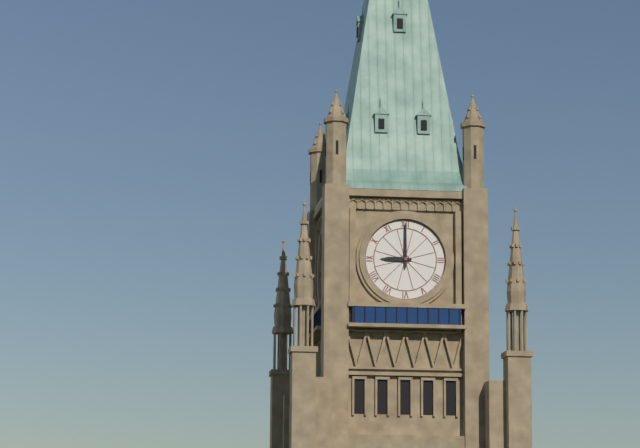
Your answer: **9:00**
